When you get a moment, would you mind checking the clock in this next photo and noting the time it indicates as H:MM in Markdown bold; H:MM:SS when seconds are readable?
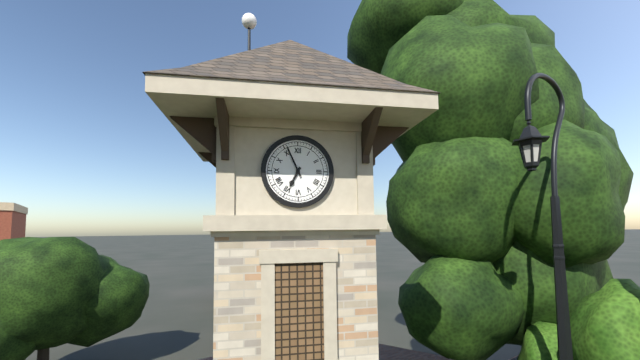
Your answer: **6:56**
